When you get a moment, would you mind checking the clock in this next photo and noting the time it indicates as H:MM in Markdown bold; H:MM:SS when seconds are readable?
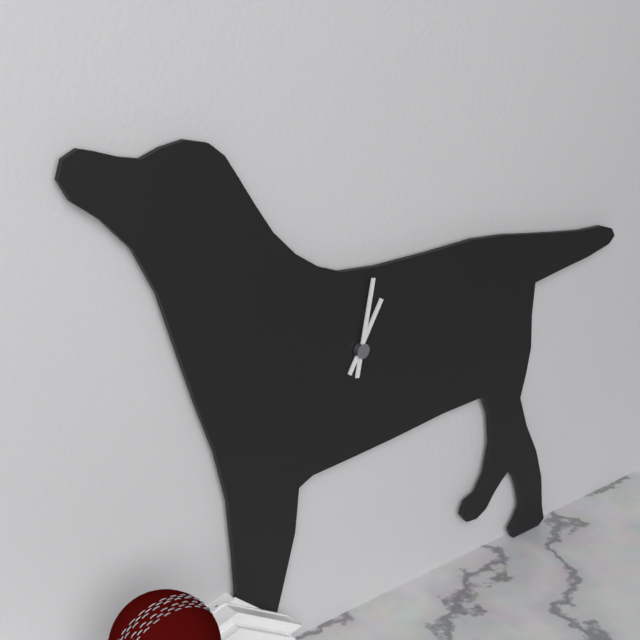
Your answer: **1:02**
